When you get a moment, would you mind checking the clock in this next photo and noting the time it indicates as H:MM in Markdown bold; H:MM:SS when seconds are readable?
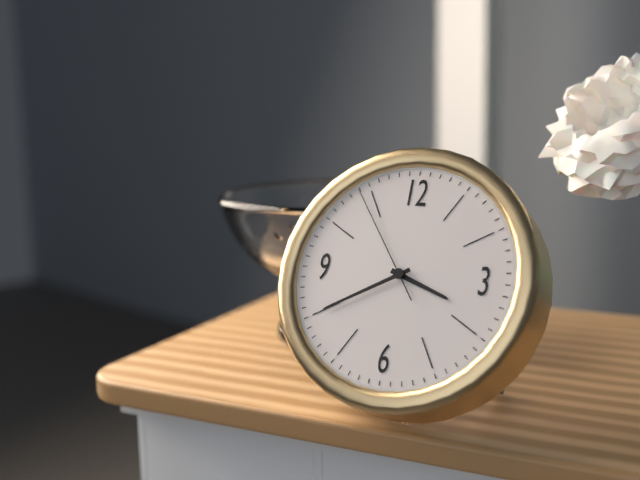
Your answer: **3:40:54**
